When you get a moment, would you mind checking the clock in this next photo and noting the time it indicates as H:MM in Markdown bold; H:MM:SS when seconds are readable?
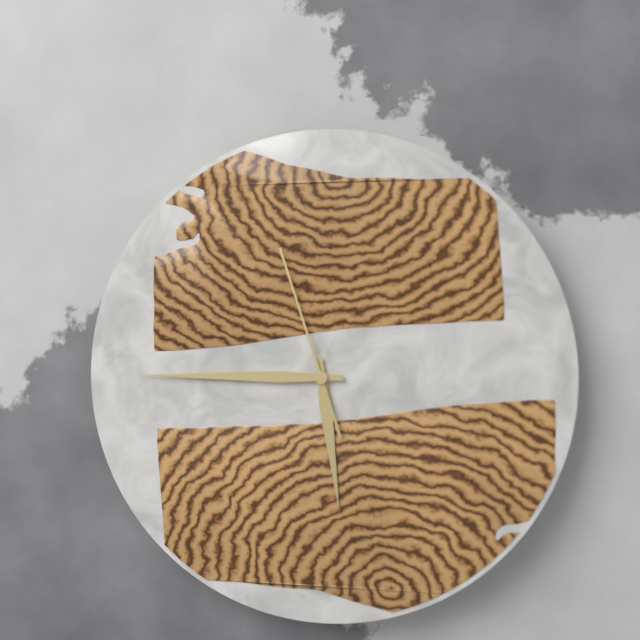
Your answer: **5:45:57**
